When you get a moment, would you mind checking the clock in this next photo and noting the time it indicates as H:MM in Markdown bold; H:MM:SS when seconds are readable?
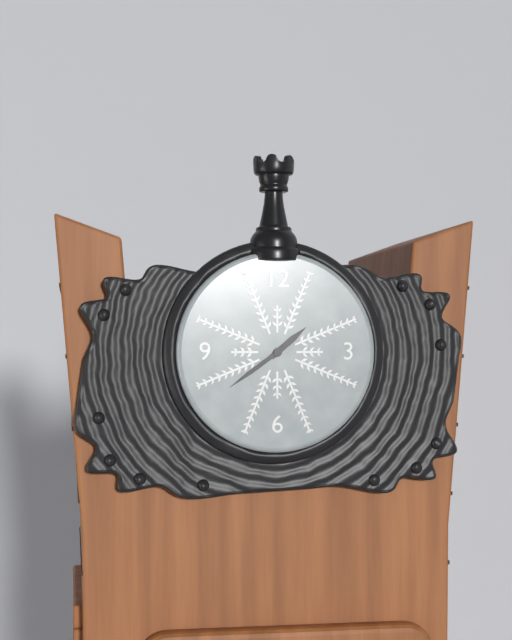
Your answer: **1:39**
